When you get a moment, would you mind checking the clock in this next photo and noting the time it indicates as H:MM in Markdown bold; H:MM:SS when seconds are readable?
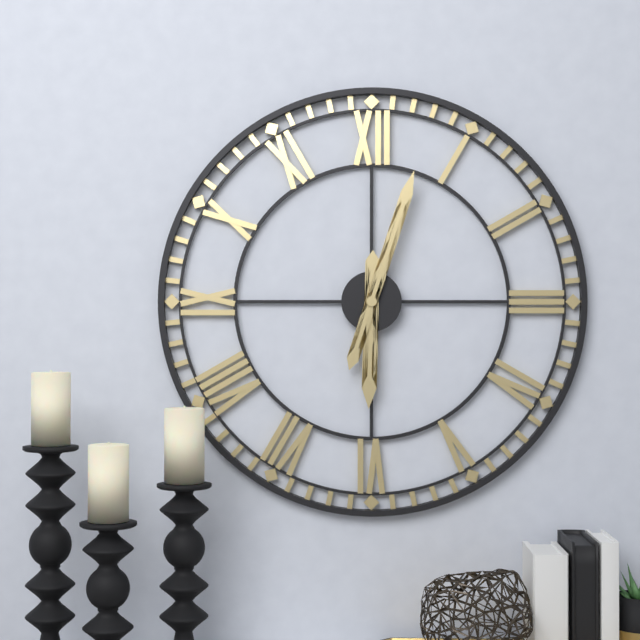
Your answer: **6:03**
